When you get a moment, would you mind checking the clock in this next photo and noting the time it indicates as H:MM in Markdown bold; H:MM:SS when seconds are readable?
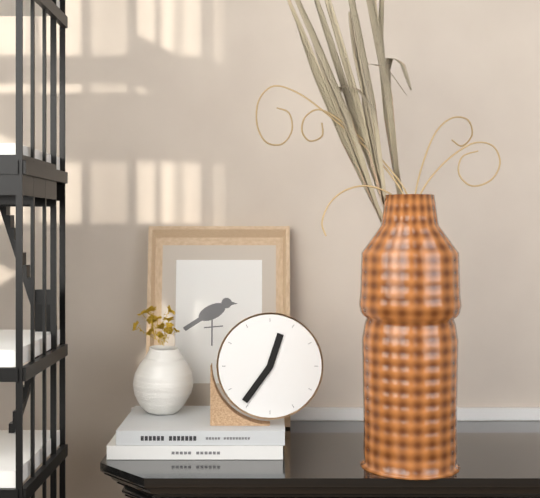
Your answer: **12:36**
